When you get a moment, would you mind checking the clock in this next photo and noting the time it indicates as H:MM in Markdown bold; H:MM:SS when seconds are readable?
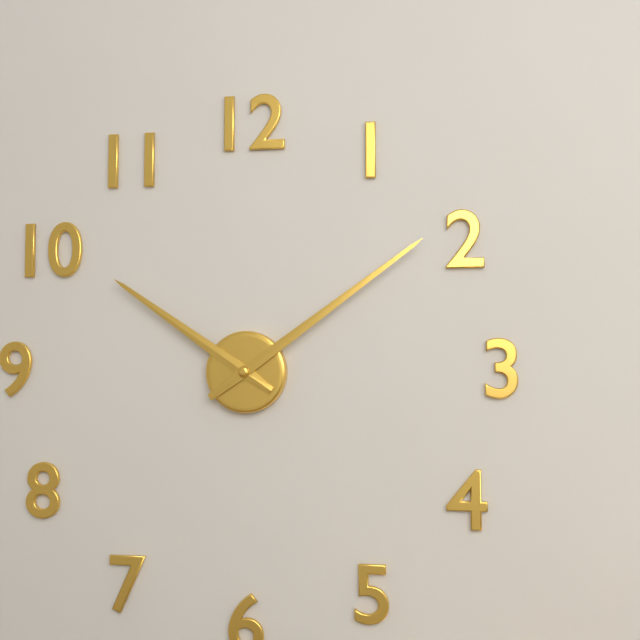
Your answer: **10:09**
